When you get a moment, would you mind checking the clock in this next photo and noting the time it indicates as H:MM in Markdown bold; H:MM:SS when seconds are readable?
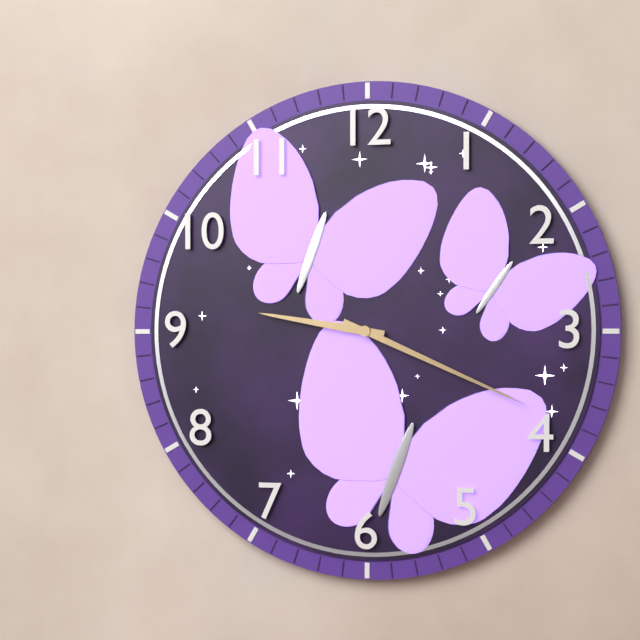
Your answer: **9:19**
